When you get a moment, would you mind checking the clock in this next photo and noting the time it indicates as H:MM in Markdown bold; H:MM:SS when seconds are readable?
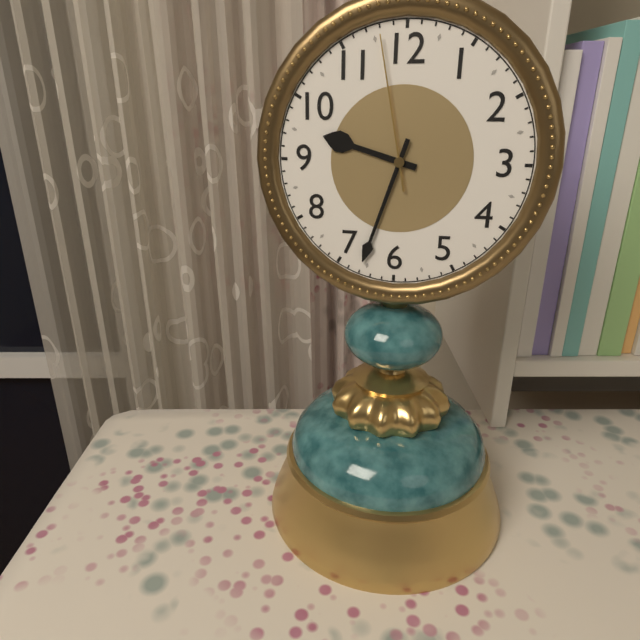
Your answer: **9:33:58**
